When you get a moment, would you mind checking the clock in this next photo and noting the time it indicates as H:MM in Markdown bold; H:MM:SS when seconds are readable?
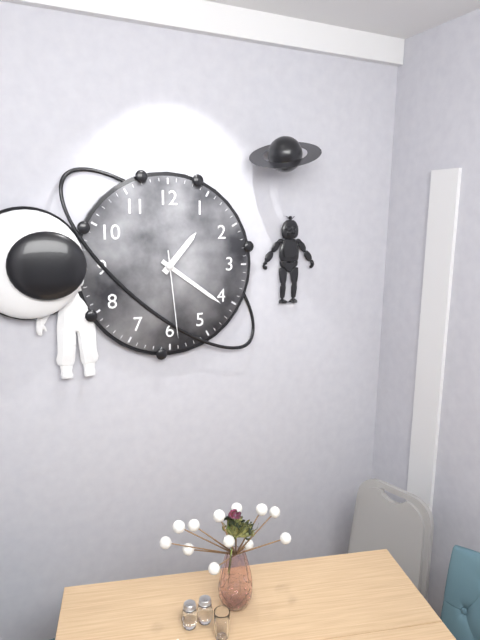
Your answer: **1:21:29**
